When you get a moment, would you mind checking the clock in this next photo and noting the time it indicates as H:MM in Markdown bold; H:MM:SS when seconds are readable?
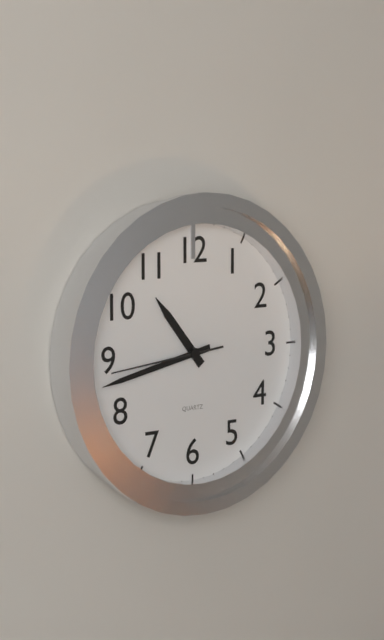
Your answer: **10:43:44**
